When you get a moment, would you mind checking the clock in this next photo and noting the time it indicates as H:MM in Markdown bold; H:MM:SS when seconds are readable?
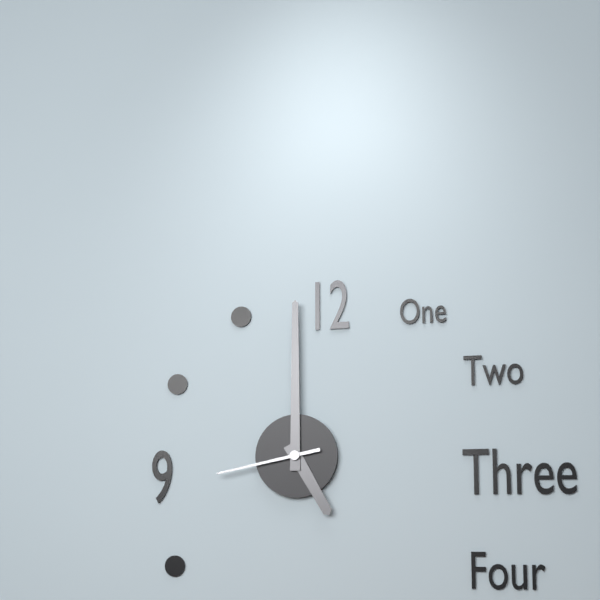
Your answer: **5:00:43**
